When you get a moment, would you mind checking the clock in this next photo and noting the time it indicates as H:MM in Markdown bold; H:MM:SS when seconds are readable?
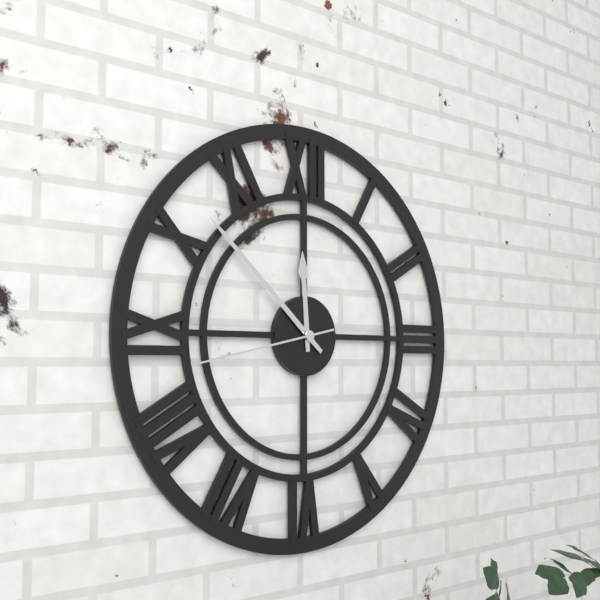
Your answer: **11:52:43**
